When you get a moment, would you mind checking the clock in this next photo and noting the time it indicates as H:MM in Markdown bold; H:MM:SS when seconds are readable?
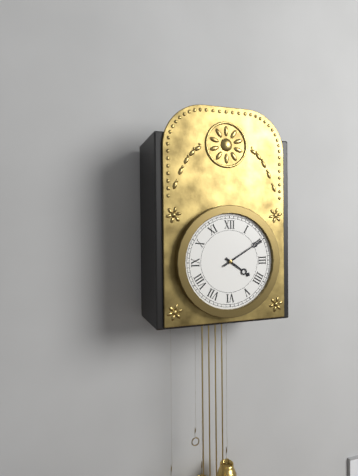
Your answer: **4:10**
